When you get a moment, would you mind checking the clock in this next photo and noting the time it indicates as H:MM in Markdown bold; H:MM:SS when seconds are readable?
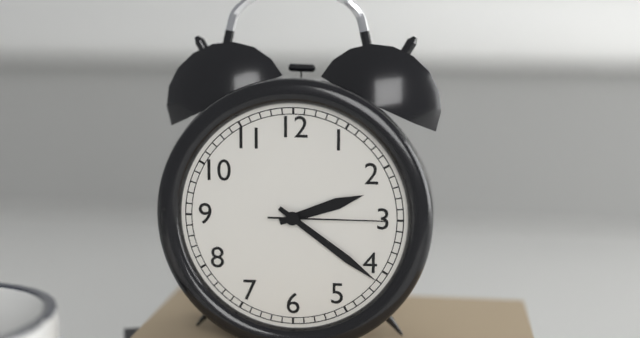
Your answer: **2:21:15**
